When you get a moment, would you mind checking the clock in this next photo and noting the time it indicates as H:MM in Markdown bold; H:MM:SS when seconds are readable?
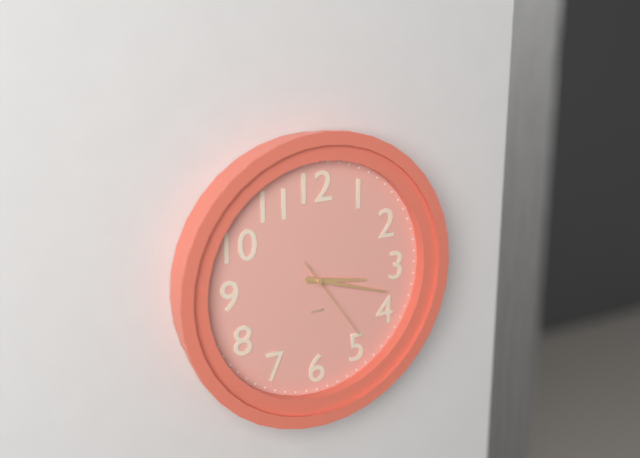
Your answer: **3:18:24**
